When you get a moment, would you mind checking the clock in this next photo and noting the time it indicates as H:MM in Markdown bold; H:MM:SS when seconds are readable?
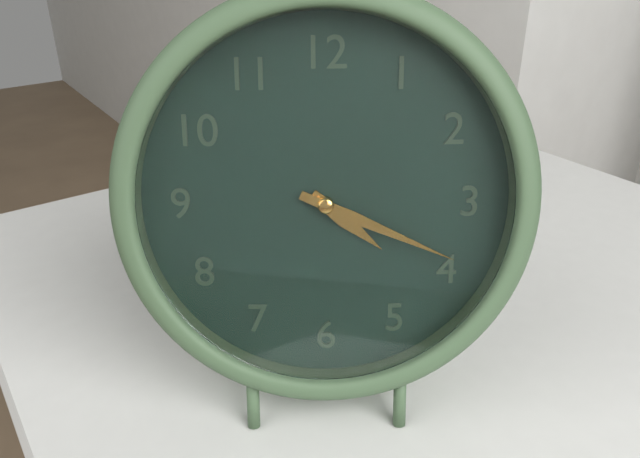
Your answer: **4:19**
